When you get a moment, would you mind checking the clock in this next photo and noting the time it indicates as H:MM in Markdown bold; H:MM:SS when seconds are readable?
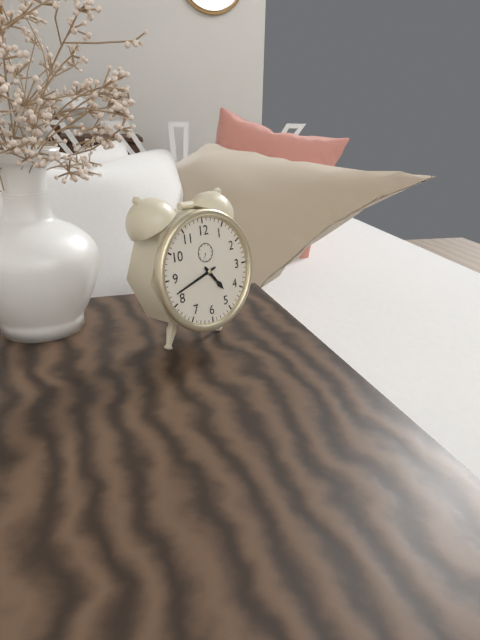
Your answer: **4:42**
